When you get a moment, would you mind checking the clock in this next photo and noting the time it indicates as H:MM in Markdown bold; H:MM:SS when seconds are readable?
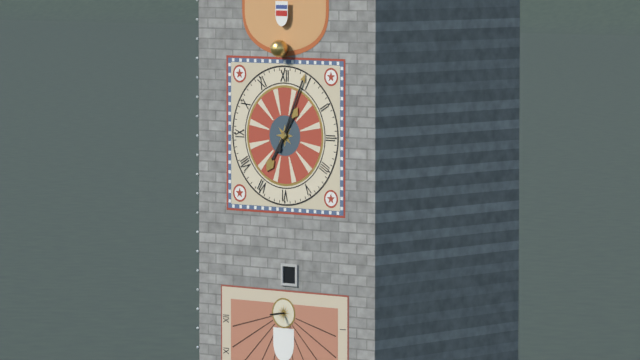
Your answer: **7:04**
